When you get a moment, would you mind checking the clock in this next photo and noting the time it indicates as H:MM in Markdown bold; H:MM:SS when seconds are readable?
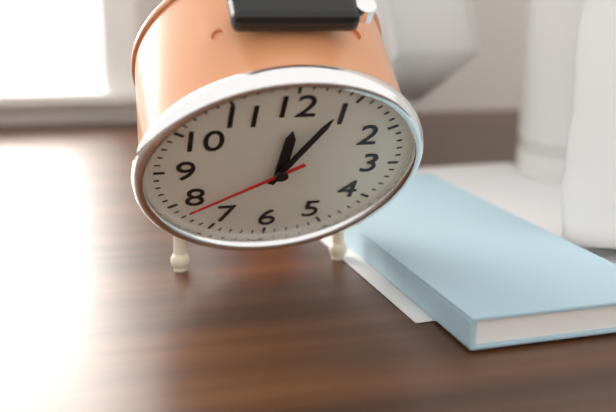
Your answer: **12:04:39**
